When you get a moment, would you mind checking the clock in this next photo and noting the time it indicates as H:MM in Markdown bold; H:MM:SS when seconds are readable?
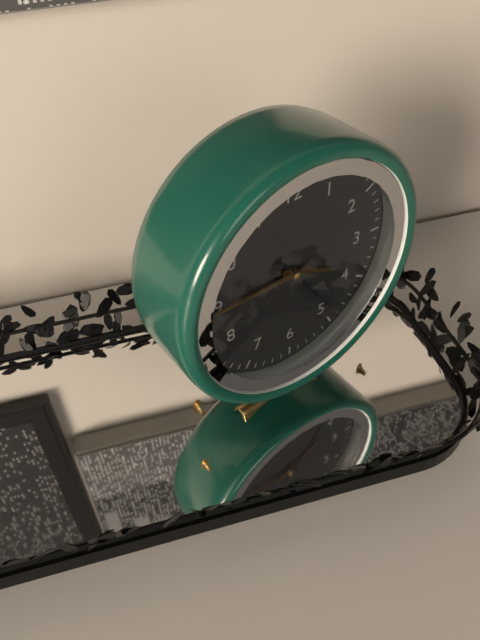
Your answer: **3:45:24**
